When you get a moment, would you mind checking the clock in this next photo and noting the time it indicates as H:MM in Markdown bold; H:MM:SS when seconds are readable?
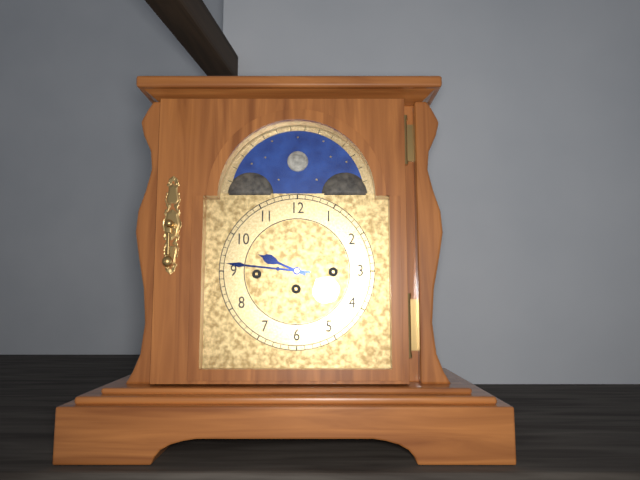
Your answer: **9:46**
